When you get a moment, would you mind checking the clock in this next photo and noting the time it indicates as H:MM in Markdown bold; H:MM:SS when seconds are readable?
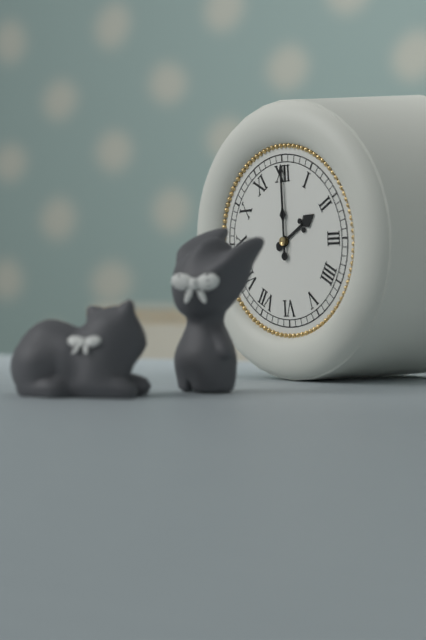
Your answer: **2:00**
